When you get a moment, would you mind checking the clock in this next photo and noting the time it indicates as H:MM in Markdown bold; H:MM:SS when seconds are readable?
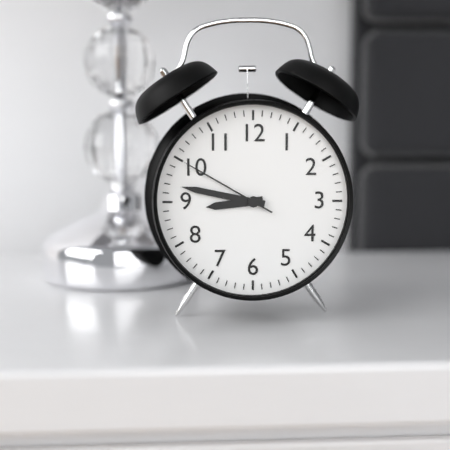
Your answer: **8:47:50**
